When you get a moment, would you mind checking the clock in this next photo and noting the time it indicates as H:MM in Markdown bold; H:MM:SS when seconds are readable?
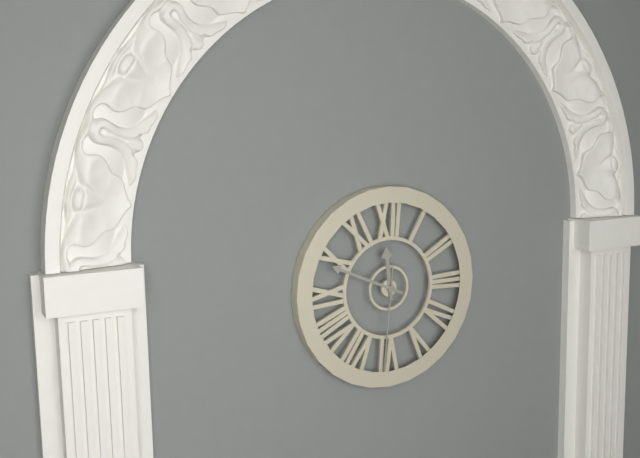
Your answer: **11:49:31**
